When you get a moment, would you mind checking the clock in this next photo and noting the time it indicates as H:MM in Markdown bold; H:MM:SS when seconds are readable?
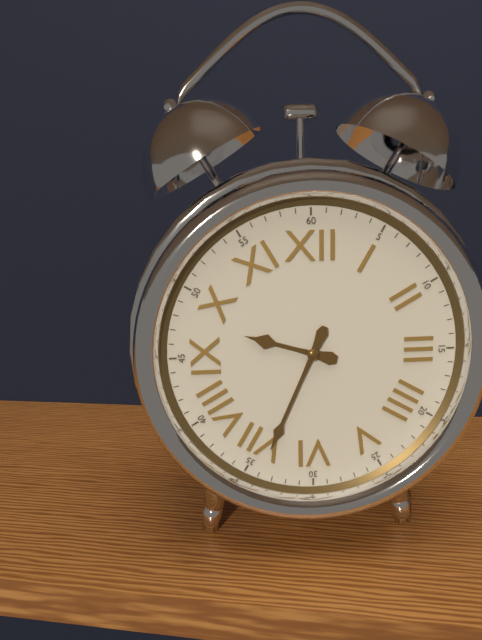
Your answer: **9:34**
